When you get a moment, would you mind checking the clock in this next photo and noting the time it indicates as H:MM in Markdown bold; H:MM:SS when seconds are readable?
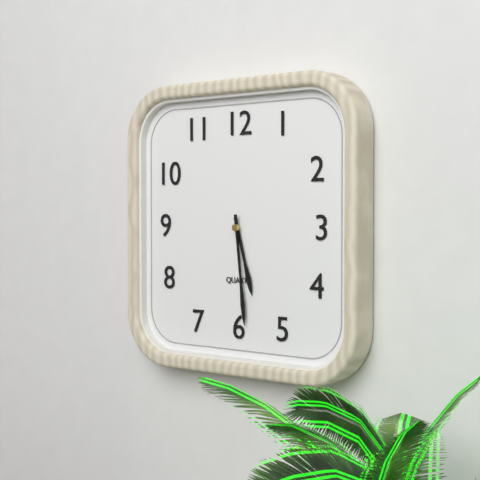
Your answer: **5:29**
